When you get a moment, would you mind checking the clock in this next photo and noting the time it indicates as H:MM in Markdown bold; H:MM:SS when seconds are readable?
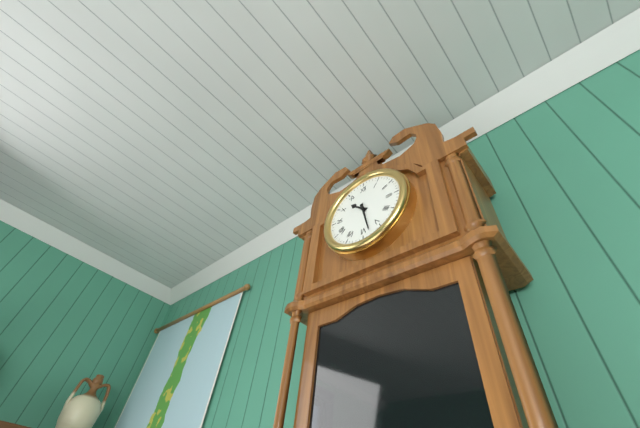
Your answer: **10:28**
